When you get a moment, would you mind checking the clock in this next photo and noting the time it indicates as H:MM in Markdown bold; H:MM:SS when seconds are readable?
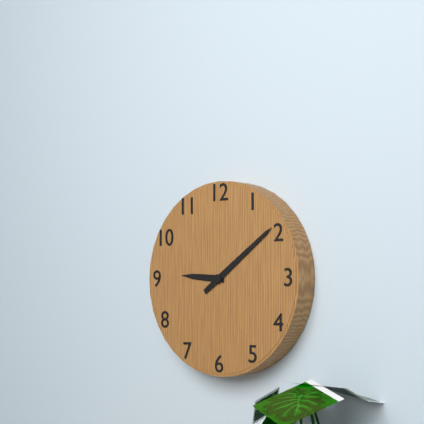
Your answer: **9:09**
